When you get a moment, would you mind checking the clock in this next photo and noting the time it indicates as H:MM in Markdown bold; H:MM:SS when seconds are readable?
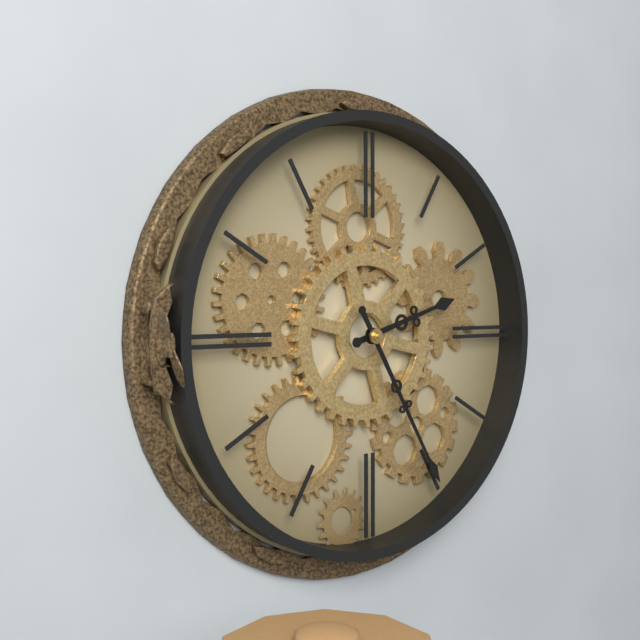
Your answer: **2:25**
